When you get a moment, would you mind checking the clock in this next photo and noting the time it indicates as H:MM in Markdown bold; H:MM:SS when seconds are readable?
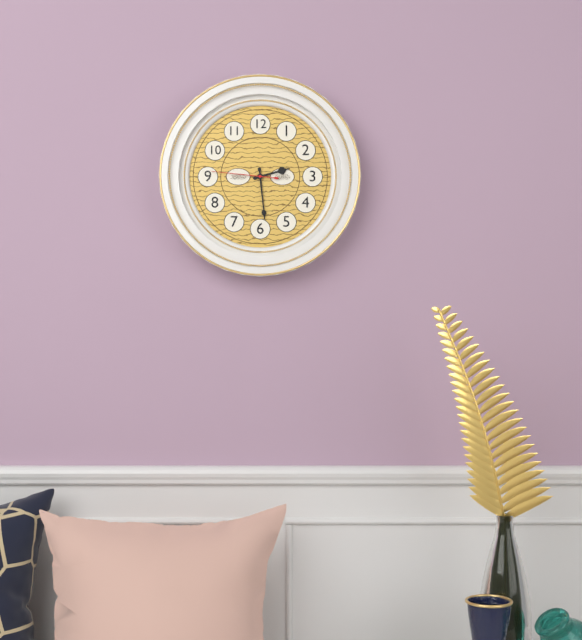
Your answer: **2:29:46**
